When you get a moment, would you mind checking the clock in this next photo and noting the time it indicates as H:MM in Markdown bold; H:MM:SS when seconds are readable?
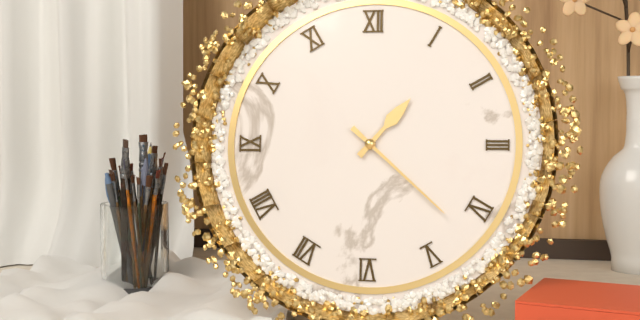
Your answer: **1:22**
